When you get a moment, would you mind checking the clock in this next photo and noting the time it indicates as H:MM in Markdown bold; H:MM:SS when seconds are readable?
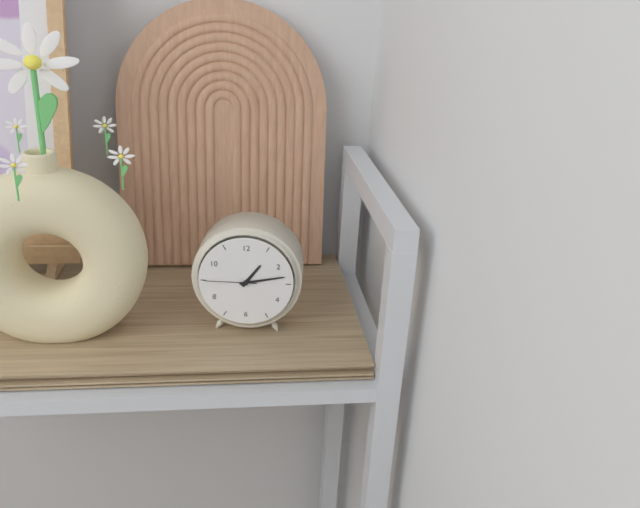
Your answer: **1:13:45**
